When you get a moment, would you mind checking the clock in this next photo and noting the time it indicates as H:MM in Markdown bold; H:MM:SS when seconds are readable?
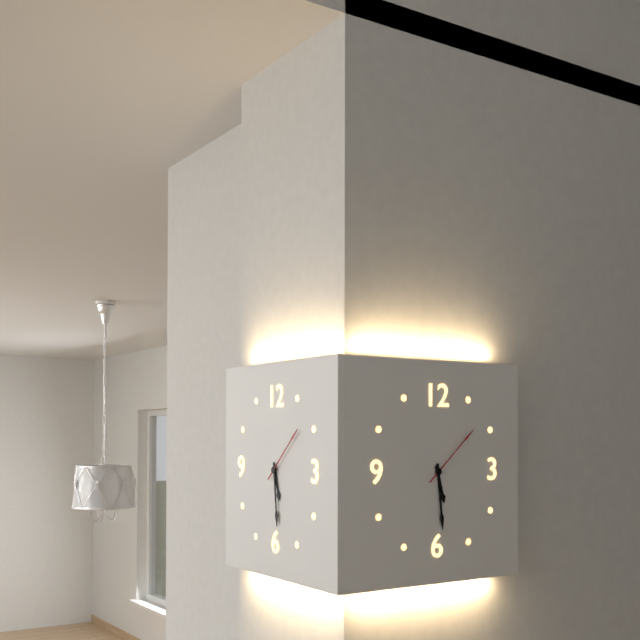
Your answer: **5:29:08**
